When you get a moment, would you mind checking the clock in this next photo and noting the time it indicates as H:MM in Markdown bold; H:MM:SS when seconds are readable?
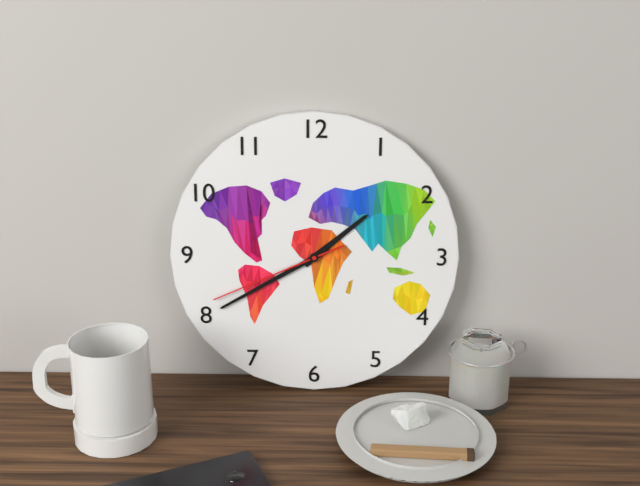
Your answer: **1:40:41**
